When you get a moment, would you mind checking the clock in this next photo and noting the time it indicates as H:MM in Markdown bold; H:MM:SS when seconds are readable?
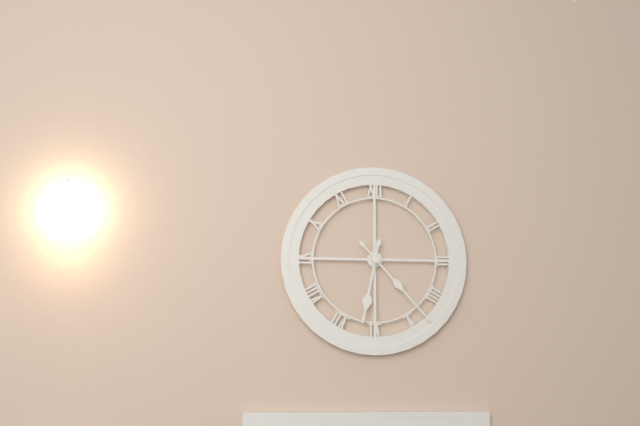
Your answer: **6:23**
